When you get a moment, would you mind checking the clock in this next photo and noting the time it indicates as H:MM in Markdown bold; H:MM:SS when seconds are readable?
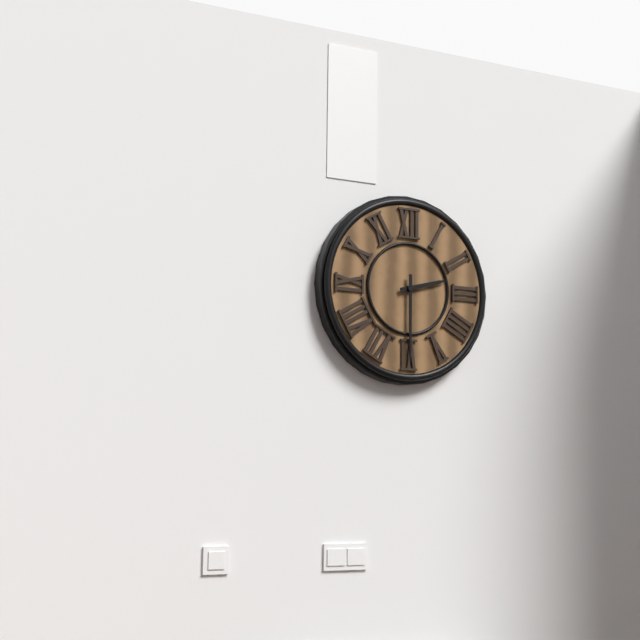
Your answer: **2:30**
